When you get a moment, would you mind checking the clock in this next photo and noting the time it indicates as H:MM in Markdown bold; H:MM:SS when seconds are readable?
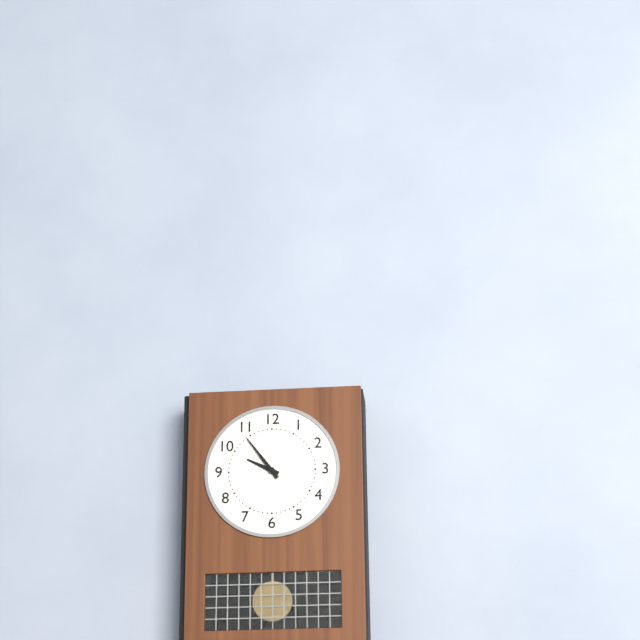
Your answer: **9:54**
